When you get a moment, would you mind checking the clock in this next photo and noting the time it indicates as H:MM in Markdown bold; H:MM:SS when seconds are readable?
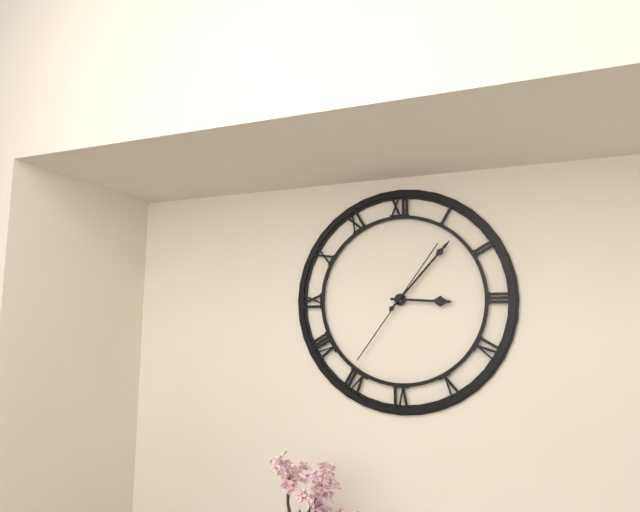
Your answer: **3:07:36**
